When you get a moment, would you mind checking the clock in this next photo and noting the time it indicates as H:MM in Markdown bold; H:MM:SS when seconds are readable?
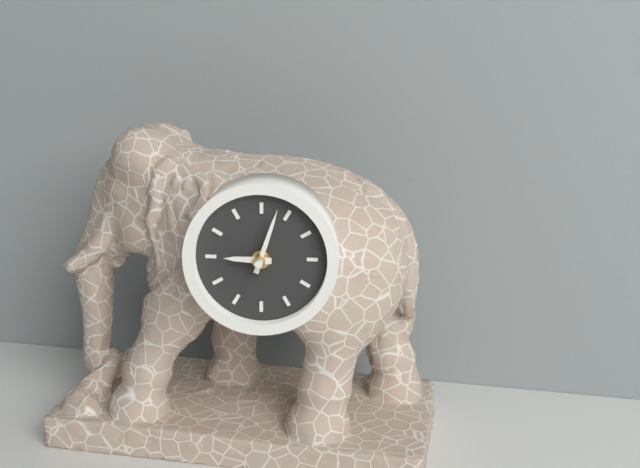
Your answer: **9:03**
